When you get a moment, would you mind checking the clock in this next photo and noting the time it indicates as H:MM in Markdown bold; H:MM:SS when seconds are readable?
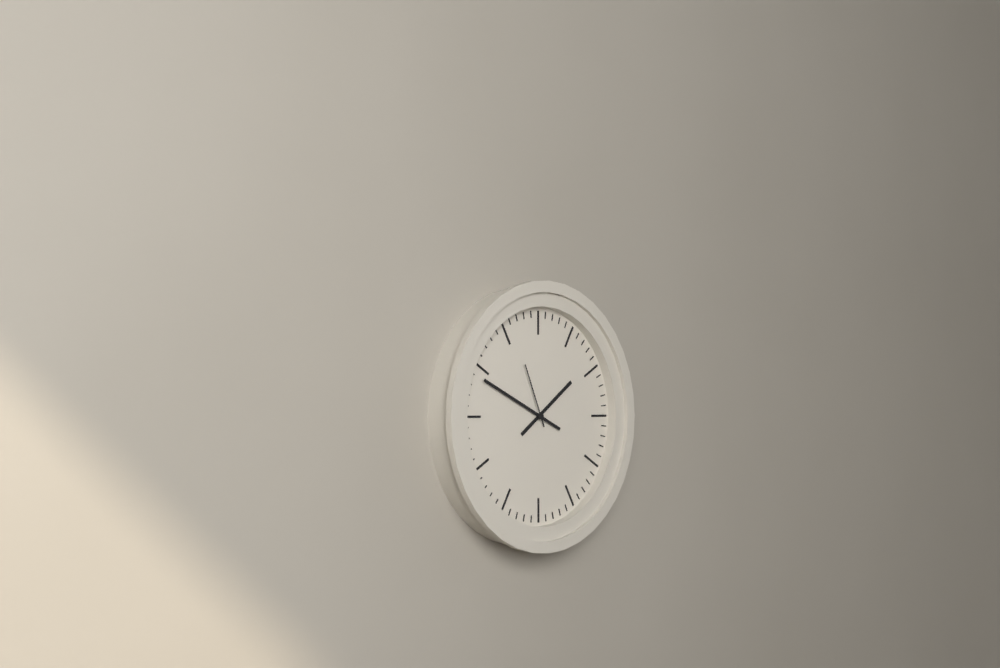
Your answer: **1:49:56**
